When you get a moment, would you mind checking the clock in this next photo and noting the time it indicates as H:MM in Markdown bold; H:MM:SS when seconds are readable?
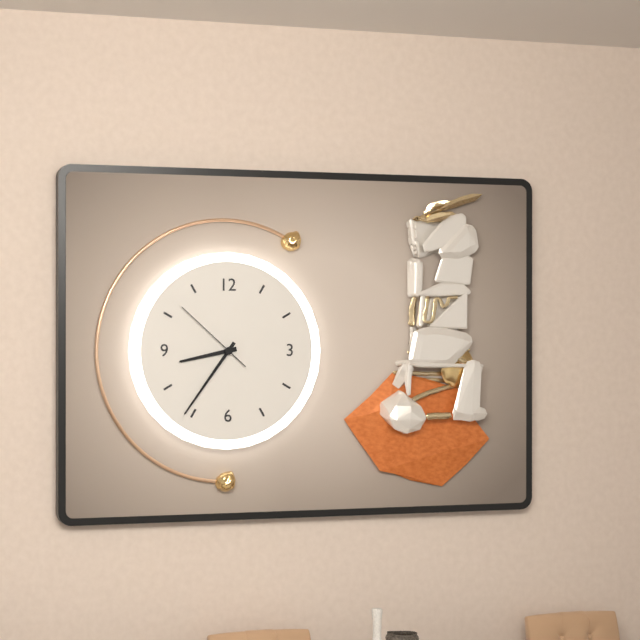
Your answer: **8:36:52**
